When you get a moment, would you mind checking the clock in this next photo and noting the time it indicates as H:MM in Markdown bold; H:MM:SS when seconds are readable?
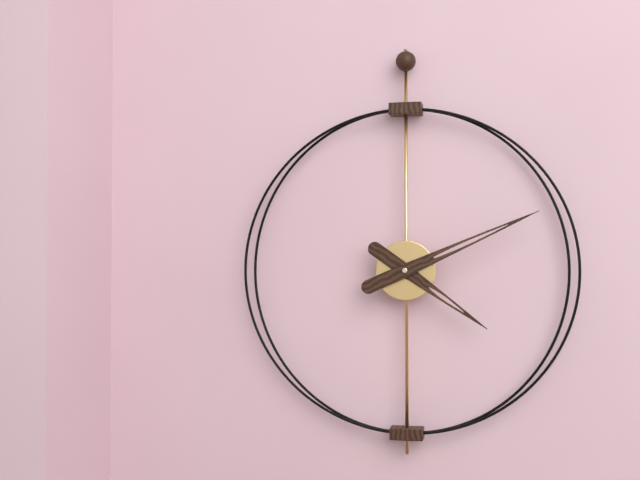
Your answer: **4:11**
